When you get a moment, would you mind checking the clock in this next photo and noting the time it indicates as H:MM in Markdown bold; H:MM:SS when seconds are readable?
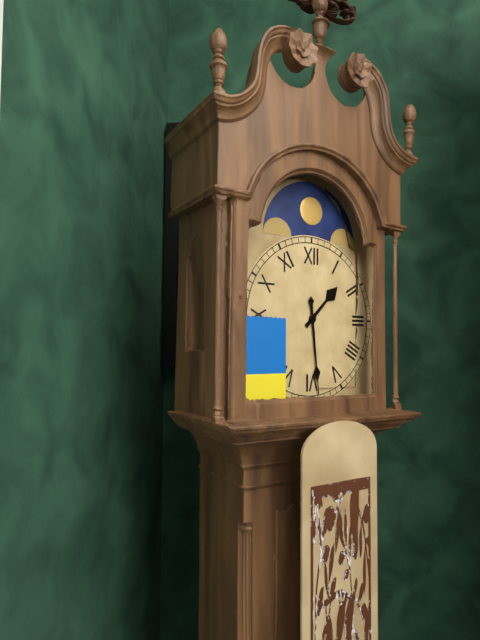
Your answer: **1:29**
